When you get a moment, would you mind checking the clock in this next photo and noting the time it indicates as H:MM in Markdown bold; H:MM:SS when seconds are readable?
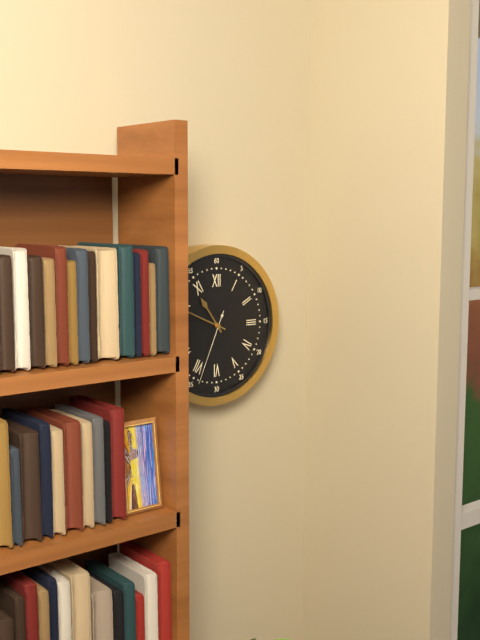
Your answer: **10:49:34**
